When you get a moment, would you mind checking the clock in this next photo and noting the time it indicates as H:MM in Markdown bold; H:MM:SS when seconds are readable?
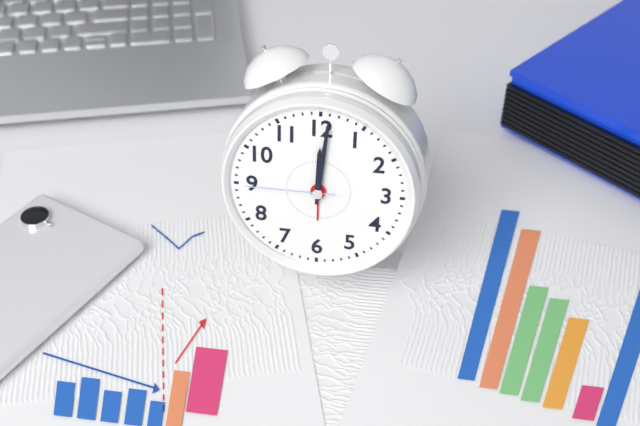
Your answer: **12:01:45**
